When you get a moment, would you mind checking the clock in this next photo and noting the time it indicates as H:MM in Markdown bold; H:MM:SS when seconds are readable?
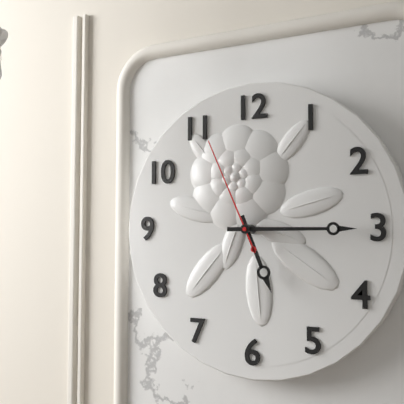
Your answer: **5:15:56**
